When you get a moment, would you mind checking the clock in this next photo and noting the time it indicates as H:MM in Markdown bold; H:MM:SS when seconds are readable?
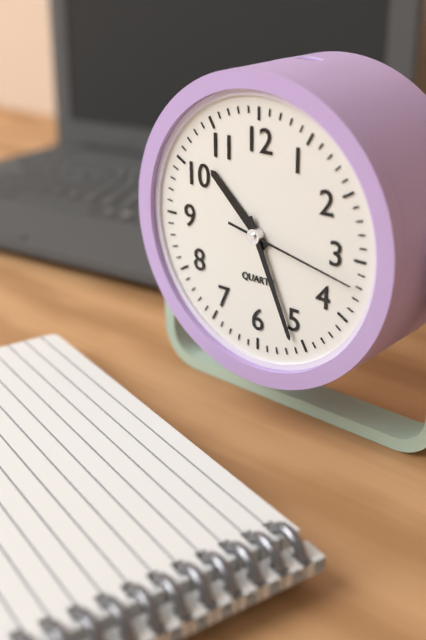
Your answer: **10:26:17**
